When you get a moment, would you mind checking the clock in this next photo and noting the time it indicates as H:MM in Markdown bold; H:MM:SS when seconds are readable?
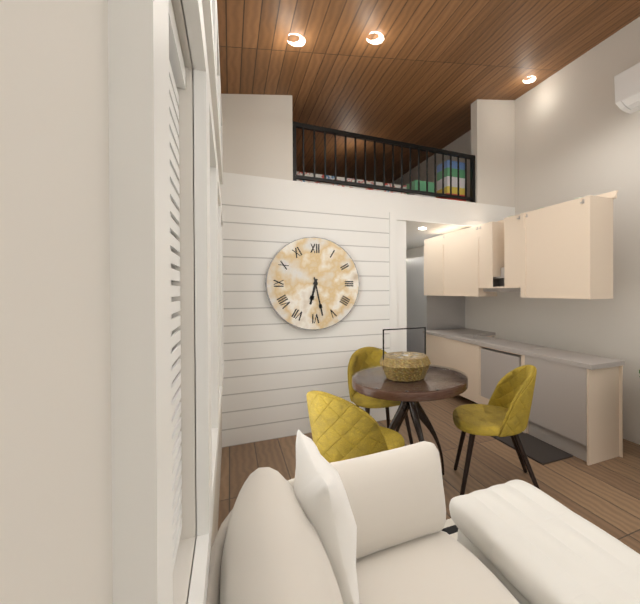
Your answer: **6:28**
